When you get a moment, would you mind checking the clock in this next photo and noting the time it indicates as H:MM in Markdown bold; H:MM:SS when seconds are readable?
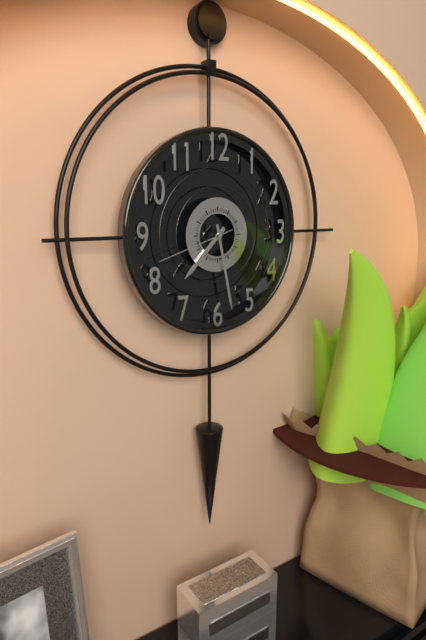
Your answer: **7:28:42**
